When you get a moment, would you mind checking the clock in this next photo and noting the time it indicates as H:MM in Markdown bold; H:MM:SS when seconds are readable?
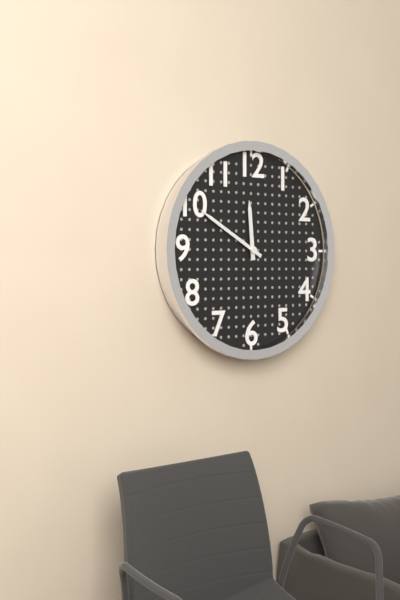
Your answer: **11:50**
